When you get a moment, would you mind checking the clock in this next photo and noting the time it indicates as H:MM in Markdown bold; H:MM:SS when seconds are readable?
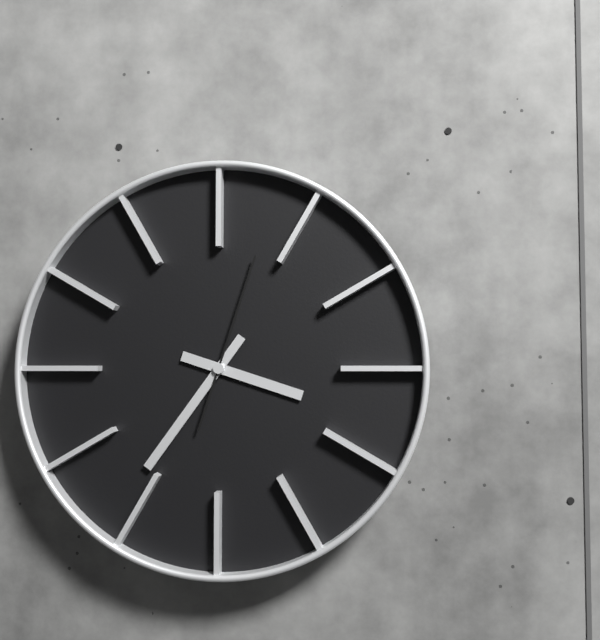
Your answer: **3:36:03**
